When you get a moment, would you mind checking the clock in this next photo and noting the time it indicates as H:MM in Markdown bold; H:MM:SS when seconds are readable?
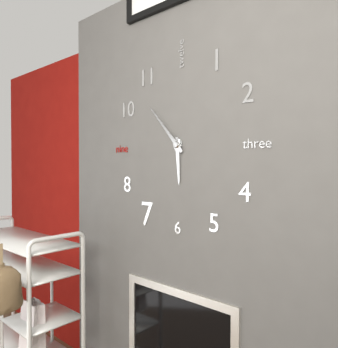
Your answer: **5:53**
